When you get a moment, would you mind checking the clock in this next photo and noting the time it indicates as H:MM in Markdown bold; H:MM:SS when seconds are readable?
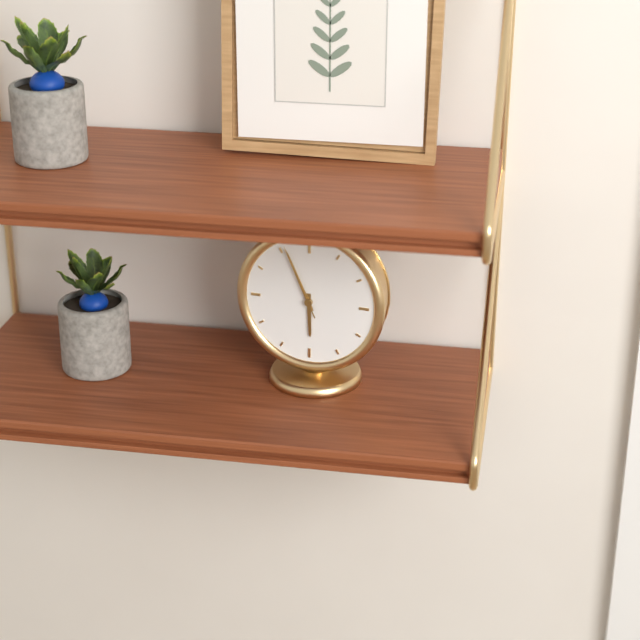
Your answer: **5:56:56**
